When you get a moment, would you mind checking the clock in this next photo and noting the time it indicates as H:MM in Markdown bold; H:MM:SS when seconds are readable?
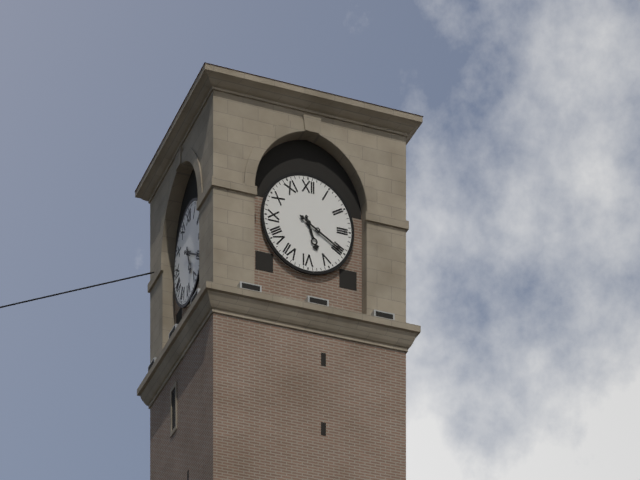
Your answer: **5:20**
